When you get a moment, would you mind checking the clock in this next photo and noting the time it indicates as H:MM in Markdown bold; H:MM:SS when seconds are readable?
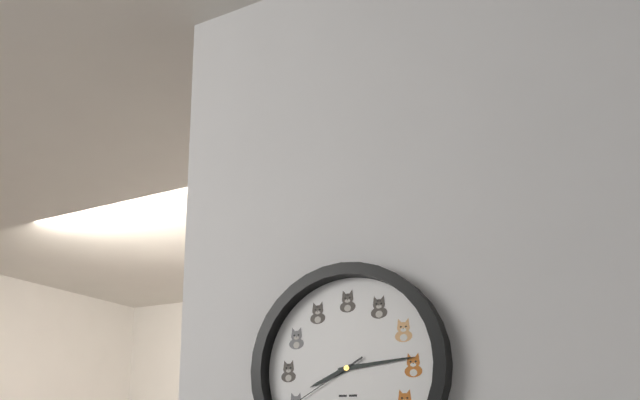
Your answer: **8:14**
